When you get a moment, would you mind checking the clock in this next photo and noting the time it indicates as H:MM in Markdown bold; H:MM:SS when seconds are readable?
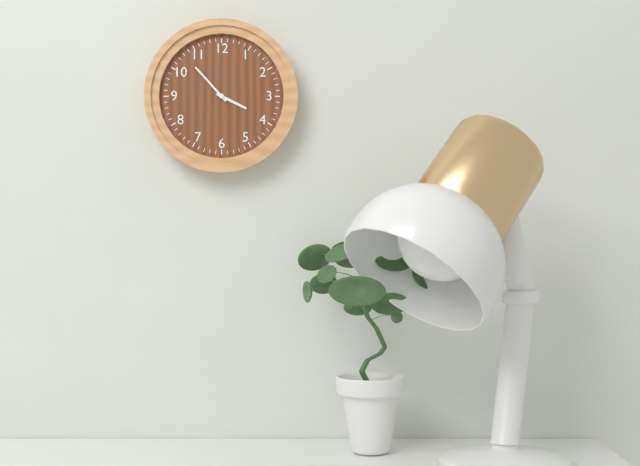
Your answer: **3:53**
